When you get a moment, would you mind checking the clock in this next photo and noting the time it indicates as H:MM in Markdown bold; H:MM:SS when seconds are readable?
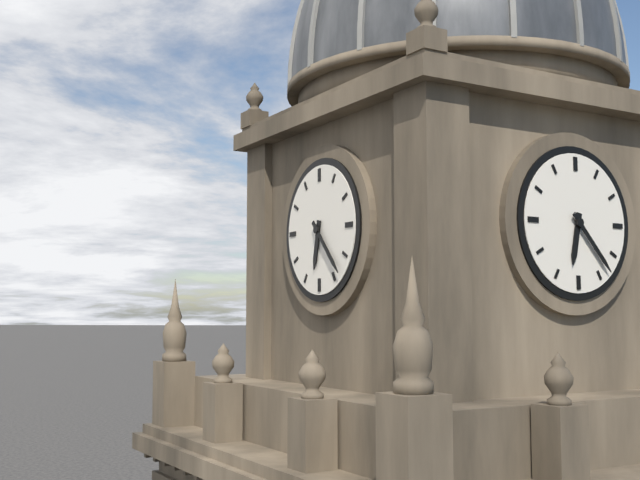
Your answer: **6:23**
